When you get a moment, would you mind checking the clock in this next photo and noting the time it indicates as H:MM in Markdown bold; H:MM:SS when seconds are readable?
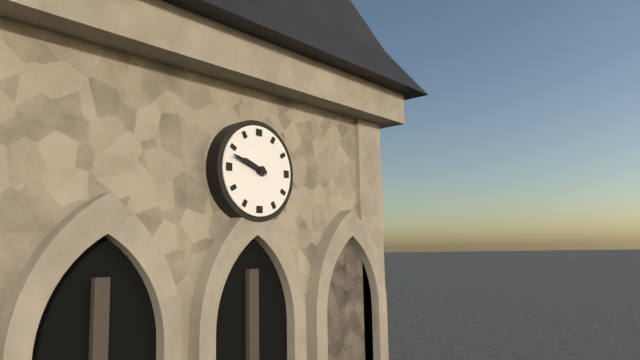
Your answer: **9:48**
